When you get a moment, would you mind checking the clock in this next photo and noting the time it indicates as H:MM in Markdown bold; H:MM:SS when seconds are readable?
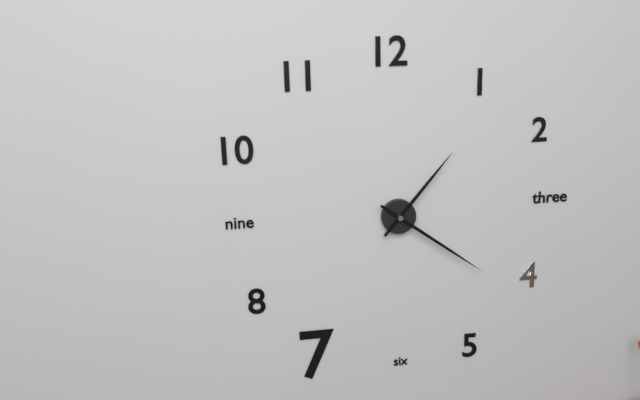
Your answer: **1:21**
